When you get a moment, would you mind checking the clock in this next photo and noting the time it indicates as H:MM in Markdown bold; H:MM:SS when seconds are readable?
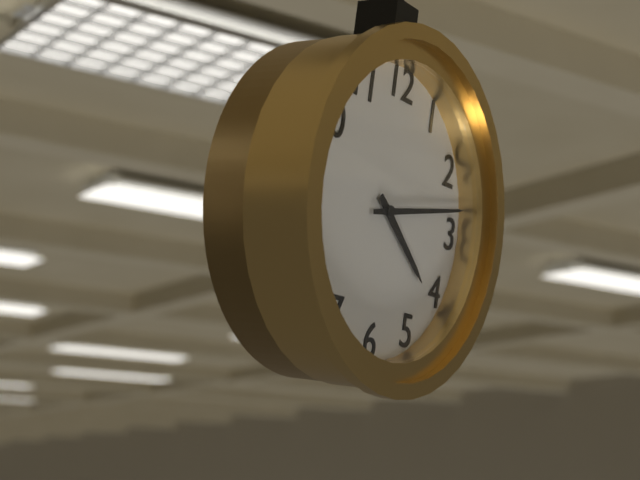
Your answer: **4:13**
